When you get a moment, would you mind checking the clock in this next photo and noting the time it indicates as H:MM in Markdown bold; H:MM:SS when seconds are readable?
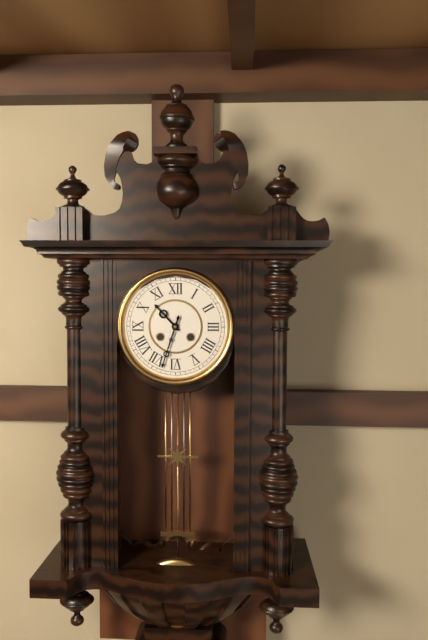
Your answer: **10:33**
